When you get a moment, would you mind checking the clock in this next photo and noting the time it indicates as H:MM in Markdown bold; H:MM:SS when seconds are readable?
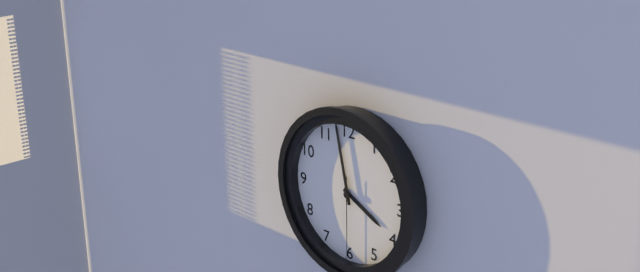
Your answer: **3:58:30**
